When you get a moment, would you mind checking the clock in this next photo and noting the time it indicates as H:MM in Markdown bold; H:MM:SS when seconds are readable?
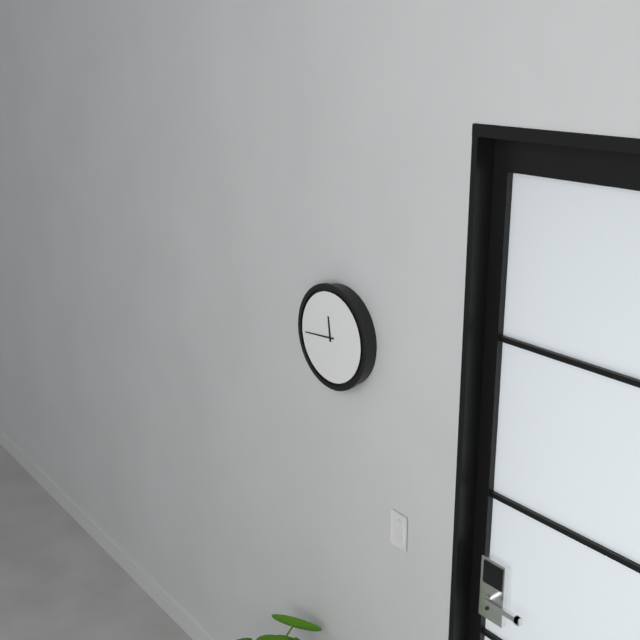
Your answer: **11:44**
